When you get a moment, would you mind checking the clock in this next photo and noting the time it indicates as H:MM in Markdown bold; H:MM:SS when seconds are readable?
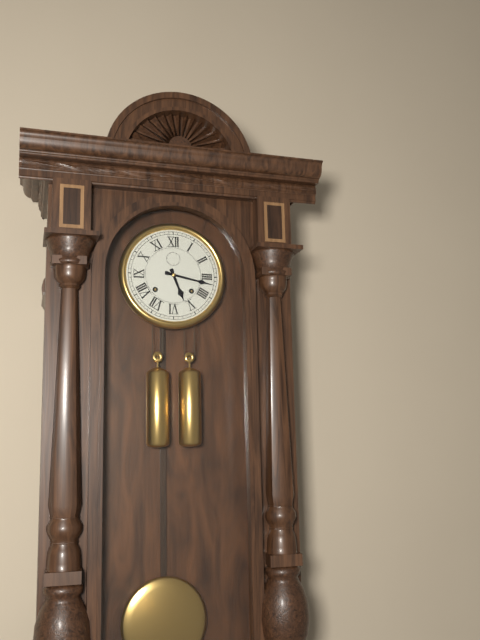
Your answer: **5:17**
